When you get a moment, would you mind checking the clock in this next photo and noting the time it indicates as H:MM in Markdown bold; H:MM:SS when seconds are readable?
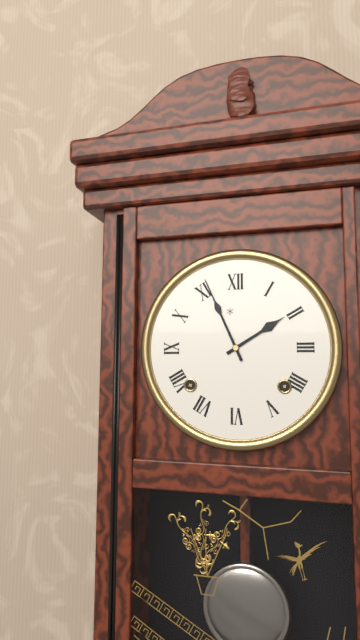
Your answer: **1:56**
